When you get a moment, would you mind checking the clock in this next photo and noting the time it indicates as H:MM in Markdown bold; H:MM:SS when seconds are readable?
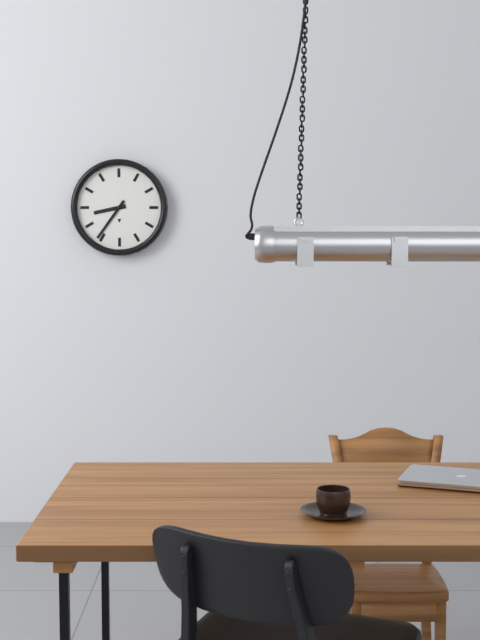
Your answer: **8:36**
